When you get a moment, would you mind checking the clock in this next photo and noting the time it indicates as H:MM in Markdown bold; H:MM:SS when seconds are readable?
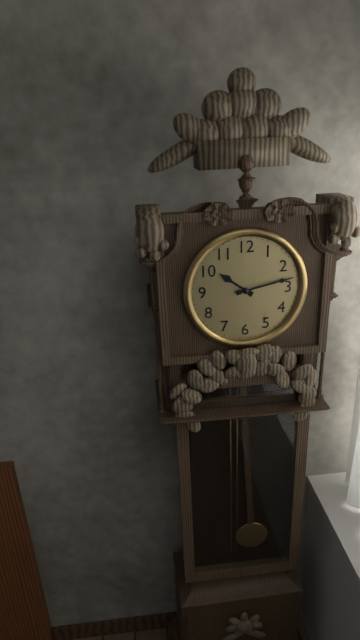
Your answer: **10:13**
